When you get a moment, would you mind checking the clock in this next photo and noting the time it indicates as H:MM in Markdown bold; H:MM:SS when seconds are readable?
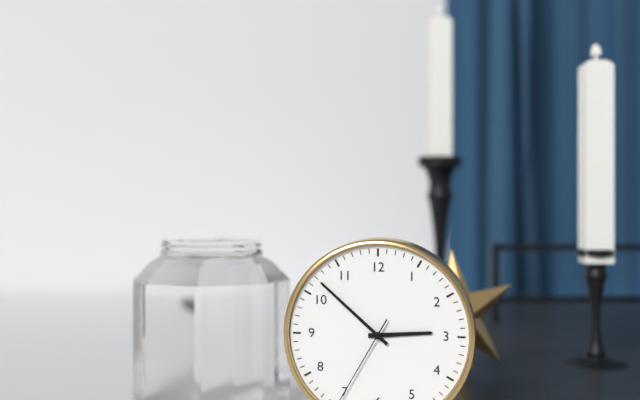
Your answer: **2:52**
